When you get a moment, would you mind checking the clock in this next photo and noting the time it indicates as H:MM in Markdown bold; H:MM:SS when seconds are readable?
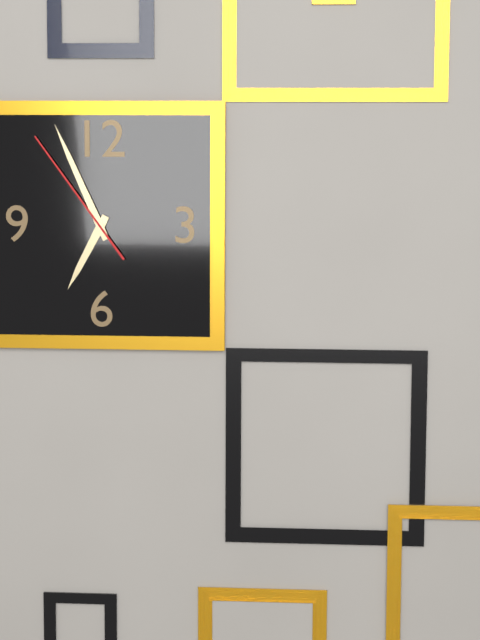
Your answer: **6:56:54**
